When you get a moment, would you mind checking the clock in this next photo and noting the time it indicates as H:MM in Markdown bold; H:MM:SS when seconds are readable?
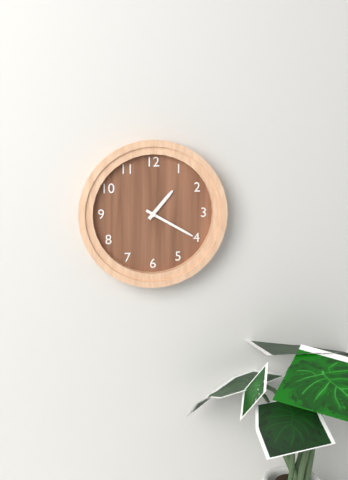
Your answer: **1:20**
